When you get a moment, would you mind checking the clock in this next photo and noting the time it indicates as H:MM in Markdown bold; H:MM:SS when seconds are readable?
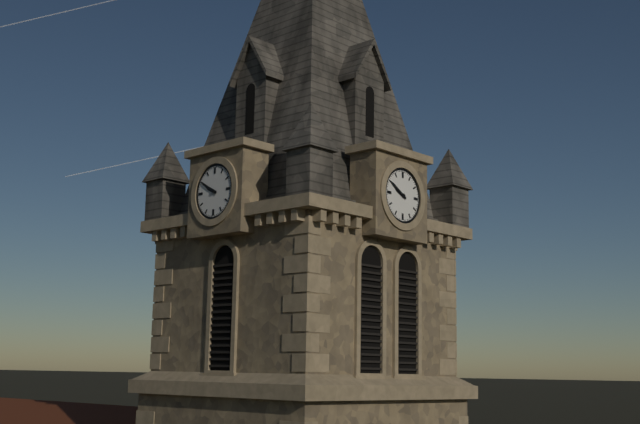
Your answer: **9:50**
